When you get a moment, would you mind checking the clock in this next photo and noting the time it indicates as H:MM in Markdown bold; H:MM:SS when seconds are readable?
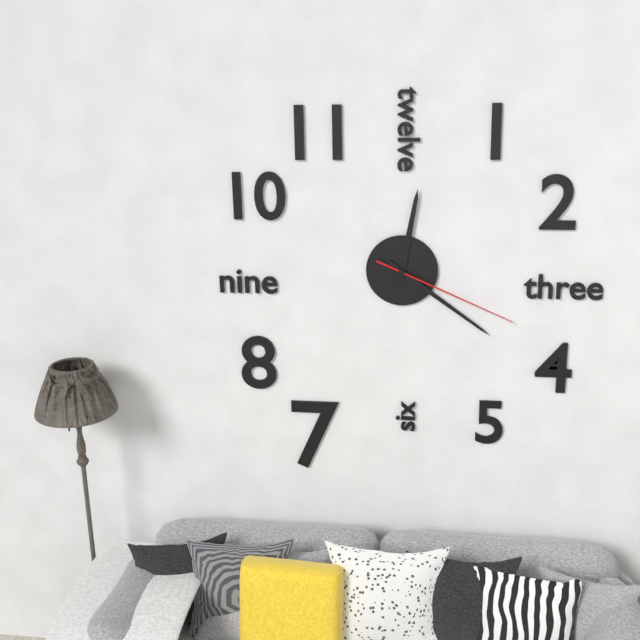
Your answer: **12:21:19**
